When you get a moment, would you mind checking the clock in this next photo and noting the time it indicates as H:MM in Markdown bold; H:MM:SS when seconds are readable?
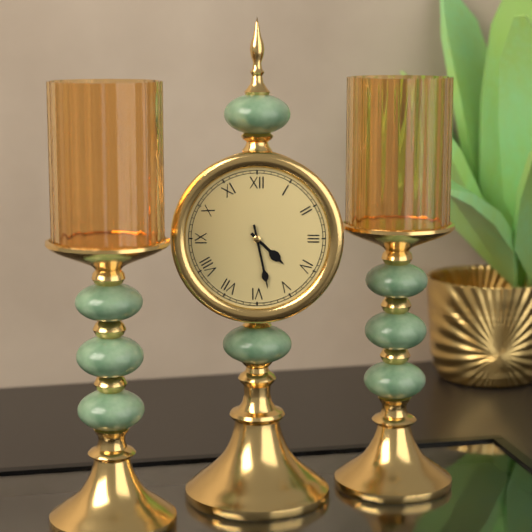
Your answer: **4:28**
